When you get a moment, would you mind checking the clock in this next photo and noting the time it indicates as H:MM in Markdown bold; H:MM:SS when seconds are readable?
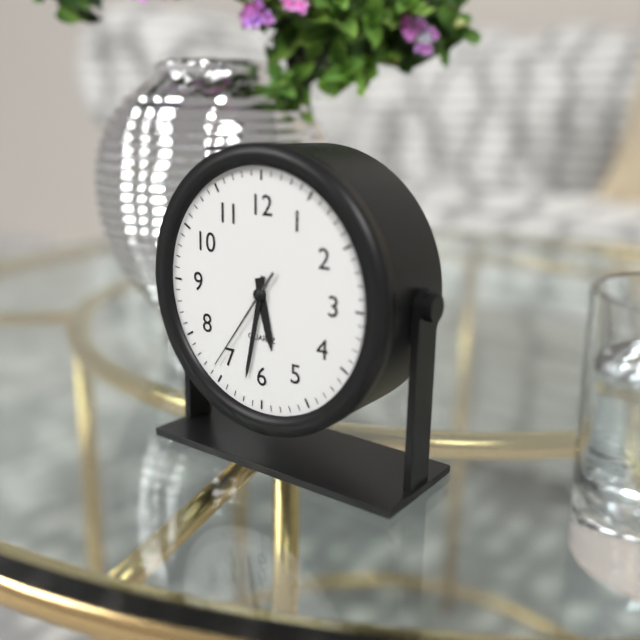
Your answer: **5:32:36**
